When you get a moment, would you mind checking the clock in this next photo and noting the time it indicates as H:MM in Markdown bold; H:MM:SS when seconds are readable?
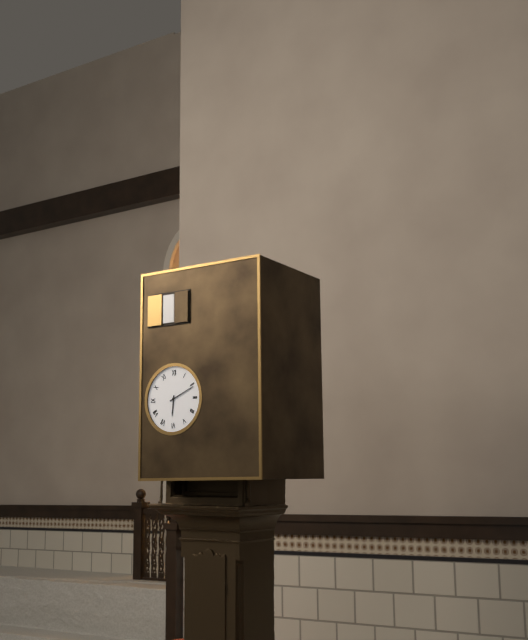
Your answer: **6:11**
